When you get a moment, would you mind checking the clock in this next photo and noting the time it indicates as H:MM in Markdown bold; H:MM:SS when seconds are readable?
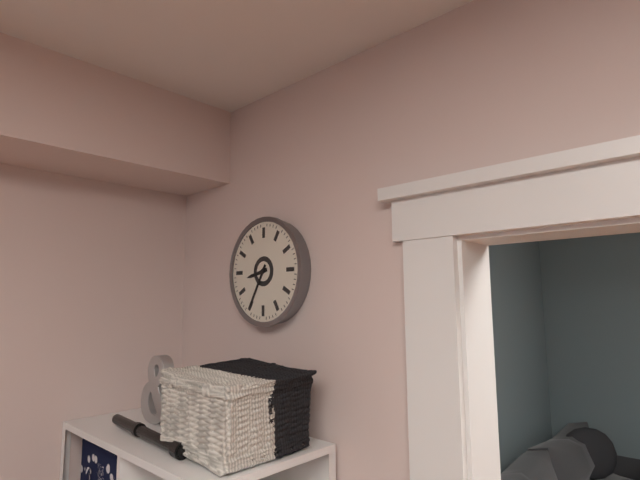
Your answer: **8:35**
